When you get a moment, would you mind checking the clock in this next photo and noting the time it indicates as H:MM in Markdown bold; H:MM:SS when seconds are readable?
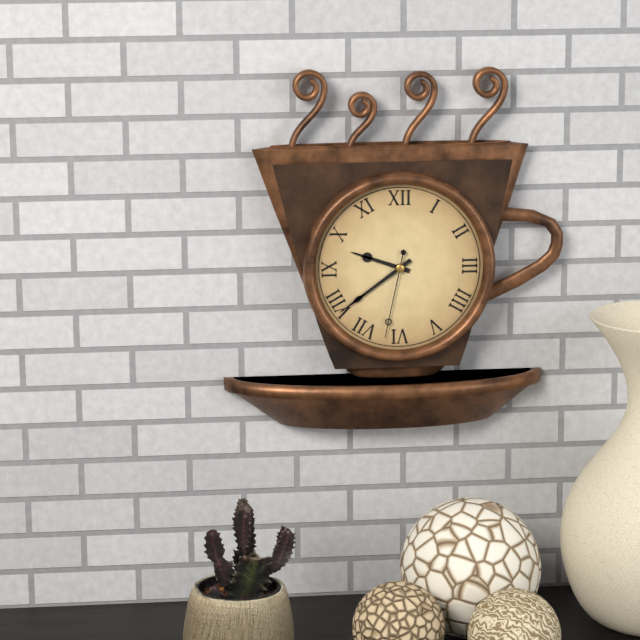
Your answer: **9:39:32**
